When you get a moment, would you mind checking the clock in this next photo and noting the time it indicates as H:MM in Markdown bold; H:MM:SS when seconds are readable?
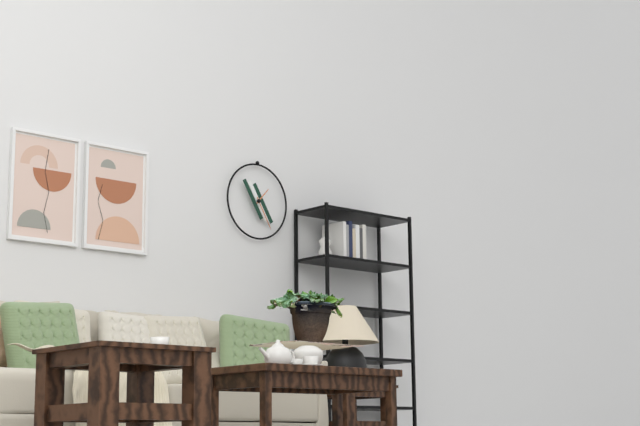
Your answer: **1:25**
